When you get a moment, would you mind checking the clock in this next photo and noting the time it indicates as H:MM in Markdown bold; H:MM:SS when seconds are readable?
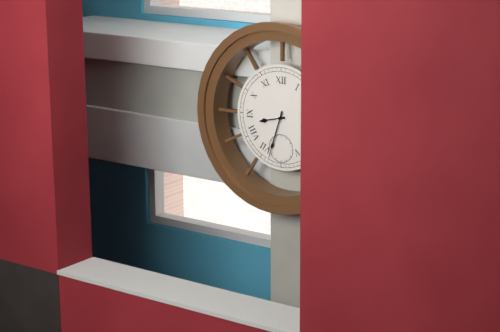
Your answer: **8:33**
